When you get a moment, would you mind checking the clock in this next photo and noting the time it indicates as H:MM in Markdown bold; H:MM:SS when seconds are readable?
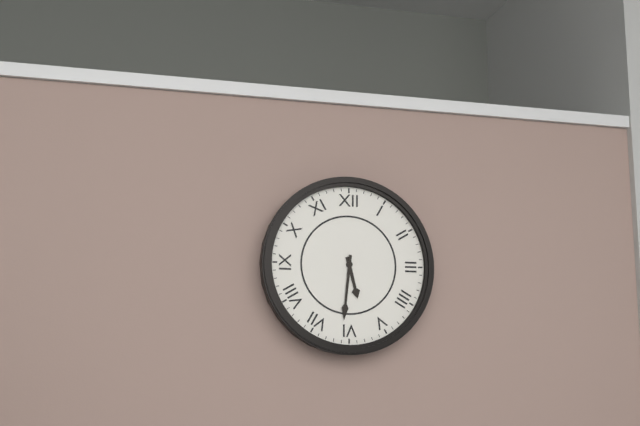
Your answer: **5:31**
